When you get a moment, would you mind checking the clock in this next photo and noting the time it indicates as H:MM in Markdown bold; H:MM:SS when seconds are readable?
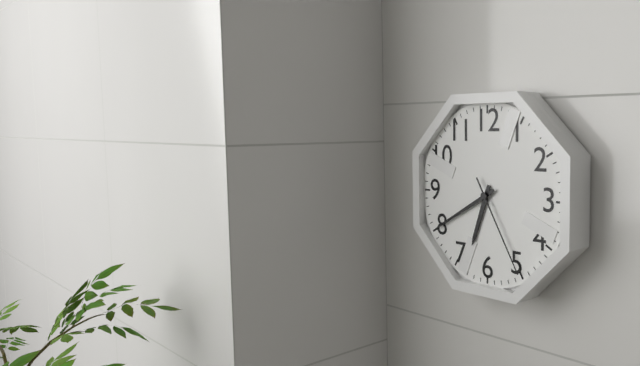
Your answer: **6:40:25**
